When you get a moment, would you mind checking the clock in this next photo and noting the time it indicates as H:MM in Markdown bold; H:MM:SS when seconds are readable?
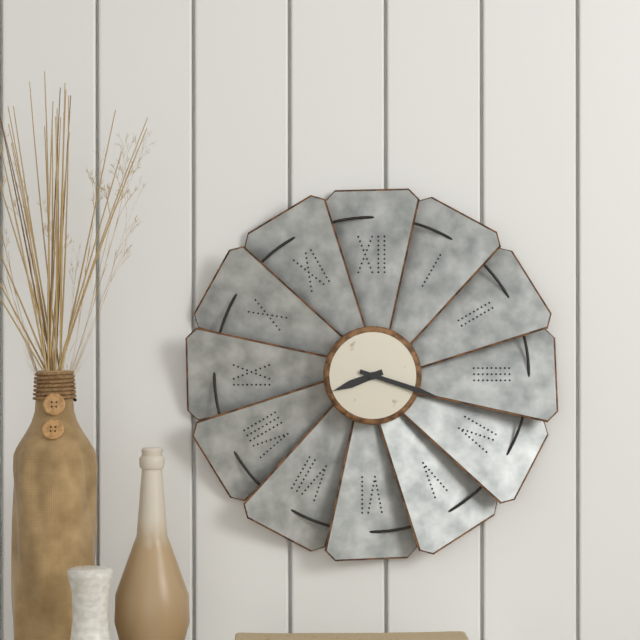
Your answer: **8:18**
